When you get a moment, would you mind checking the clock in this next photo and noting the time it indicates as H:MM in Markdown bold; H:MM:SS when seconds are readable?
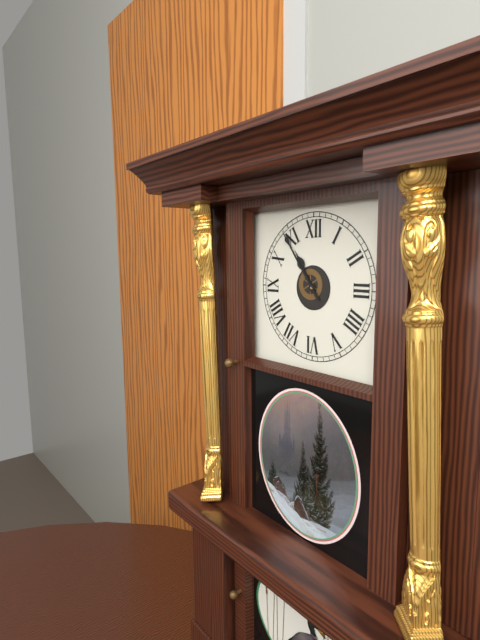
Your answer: **10:54**
